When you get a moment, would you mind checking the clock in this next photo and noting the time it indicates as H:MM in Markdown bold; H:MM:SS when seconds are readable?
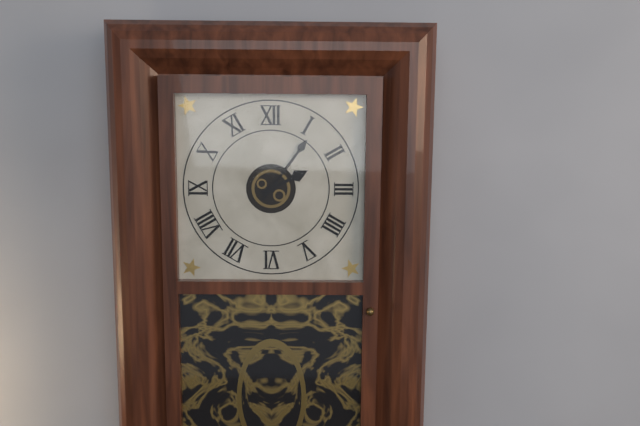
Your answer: **2:06**
